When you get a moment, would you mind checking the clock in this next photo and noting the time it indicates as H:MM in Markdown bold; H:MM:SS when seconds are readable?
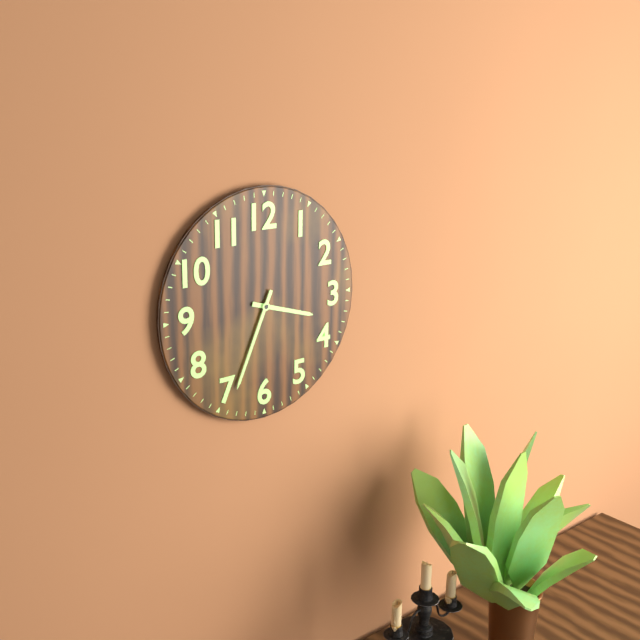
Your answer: **3:34**
